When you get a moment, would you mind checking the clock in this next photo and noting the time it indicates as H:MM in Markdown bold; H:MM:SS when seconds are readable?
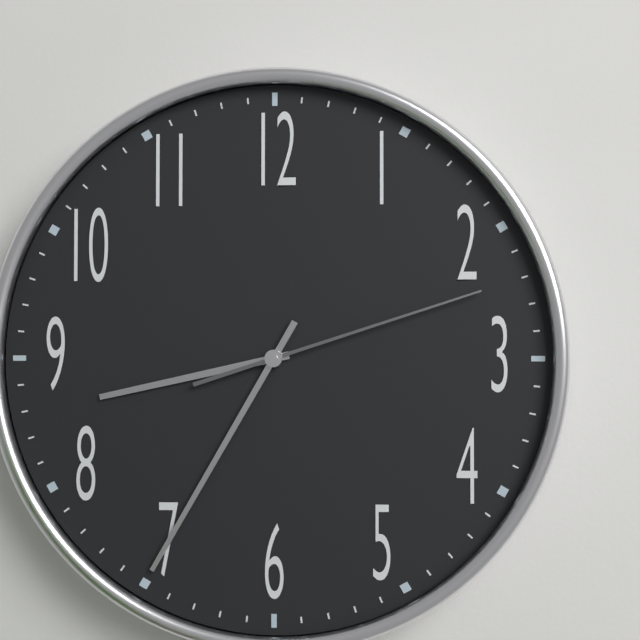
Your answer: **8:35:12**
